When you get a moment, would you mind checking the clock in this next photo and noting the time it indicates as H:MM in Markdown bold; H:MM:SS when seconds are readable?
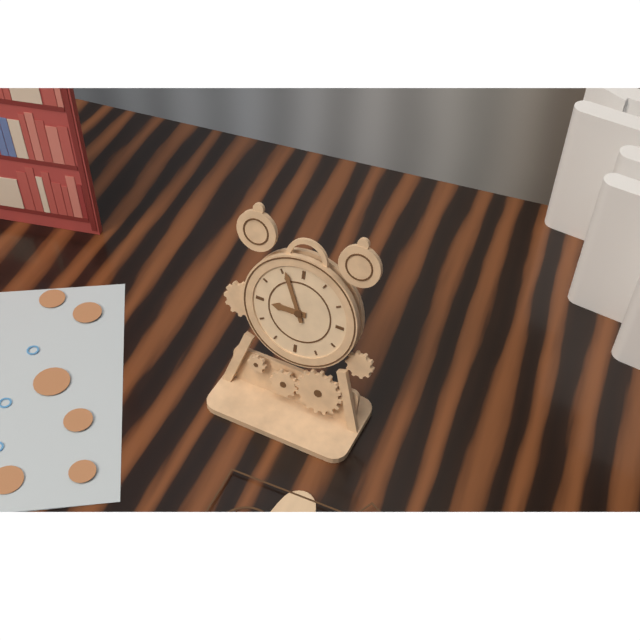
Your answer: **8:56**
